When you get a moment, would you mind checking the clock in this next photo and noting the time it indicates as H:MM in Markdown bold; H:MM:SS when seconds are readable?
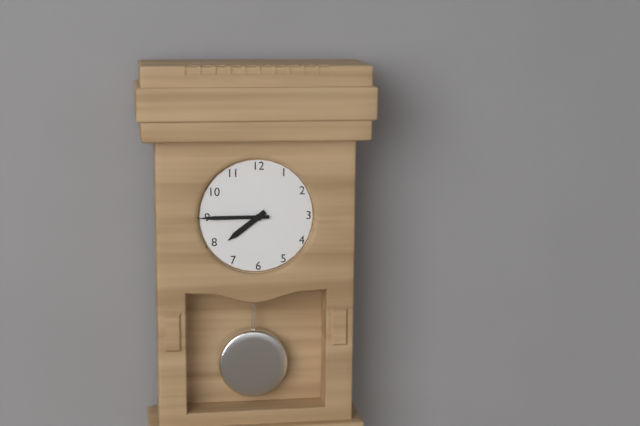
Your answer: **7:45**
